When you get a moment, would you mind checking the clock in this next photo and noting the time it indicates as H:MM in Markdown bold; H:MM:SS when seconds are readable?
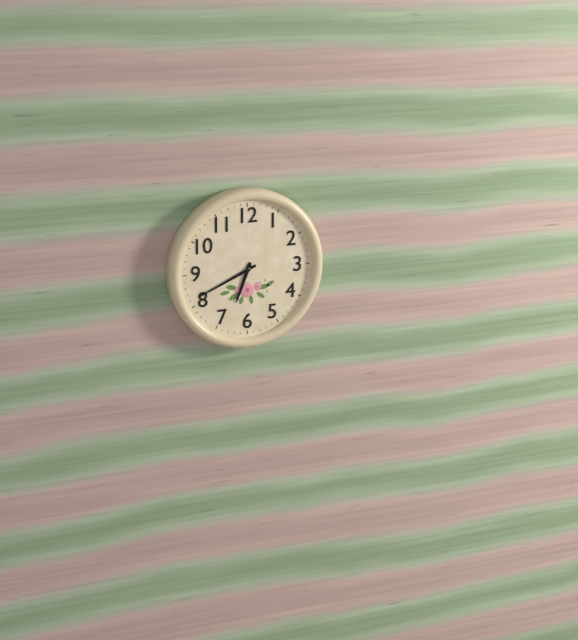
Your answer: **6:41**
